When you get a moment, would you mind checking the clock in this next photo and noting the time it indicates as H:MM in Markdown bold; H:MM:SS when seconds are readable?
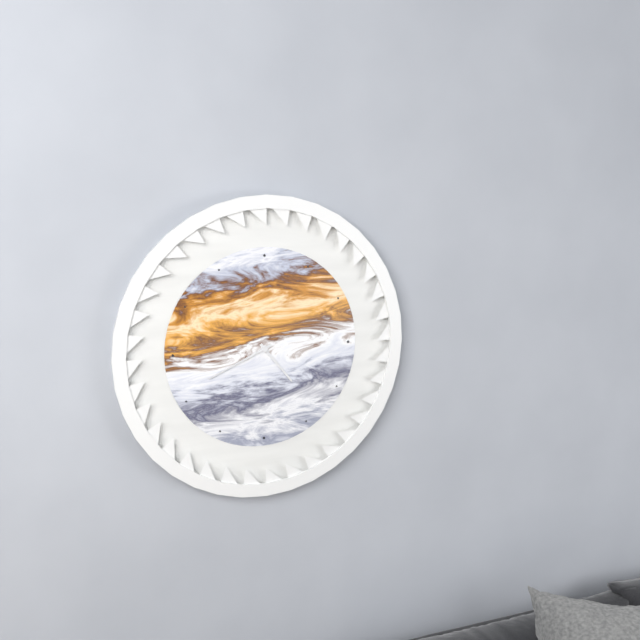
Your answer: **4:41**
